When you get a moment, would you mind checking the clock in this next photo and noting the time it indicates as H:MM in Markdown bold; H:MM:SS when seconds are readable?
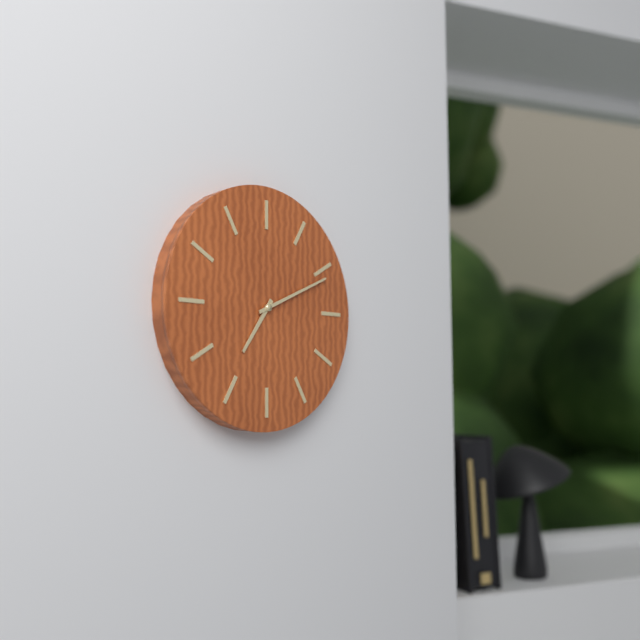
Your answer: **7:11**
